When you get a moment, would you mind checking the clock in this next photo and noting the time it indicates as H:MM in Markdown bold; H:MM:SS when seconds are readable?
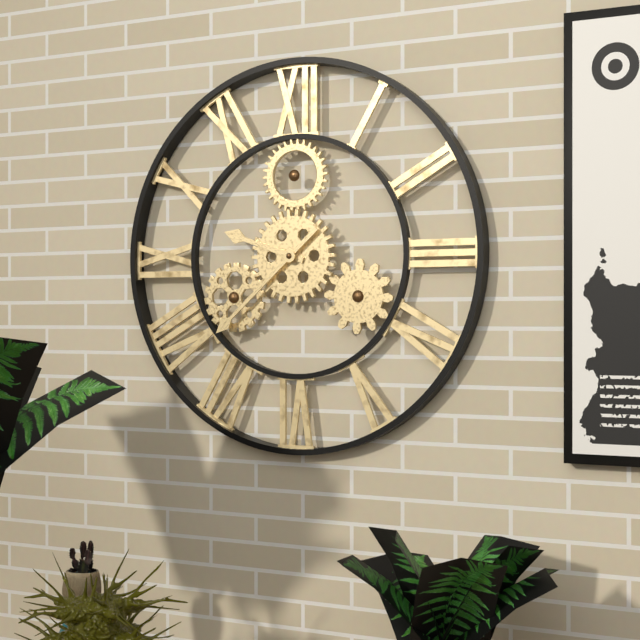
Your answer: **9:38**
